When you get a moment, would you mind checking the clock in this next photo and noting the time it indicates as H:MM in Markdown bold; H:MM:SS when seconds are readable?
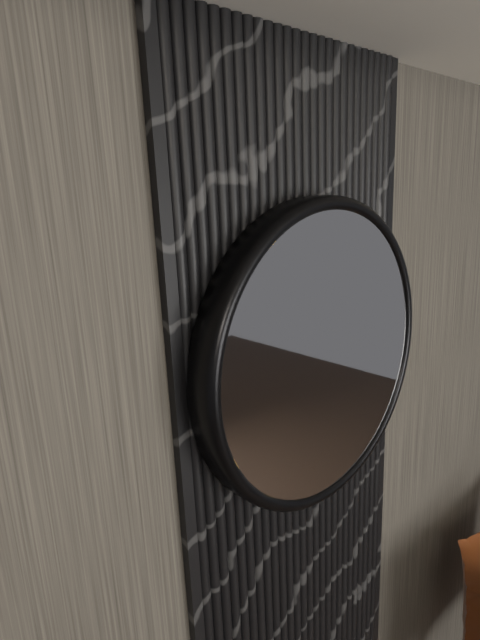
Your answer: **9:31**
